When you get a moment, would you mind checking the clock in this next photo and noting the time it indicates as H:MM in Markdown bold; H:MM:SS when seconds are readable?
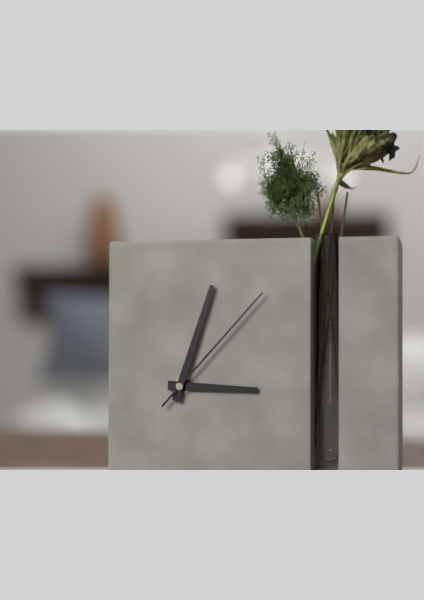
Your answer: **3:03:07**
